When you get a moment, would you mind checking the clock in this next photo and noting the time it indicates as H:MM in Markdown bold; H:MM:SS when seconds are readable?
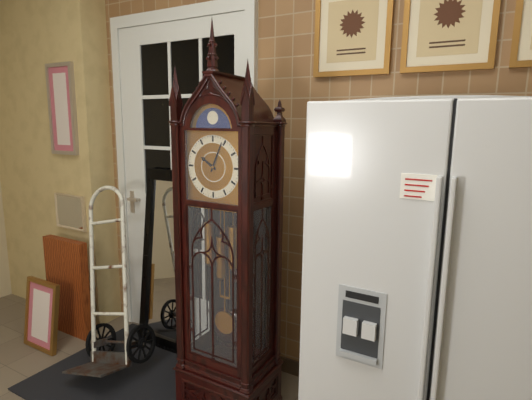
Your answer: **10:04**
